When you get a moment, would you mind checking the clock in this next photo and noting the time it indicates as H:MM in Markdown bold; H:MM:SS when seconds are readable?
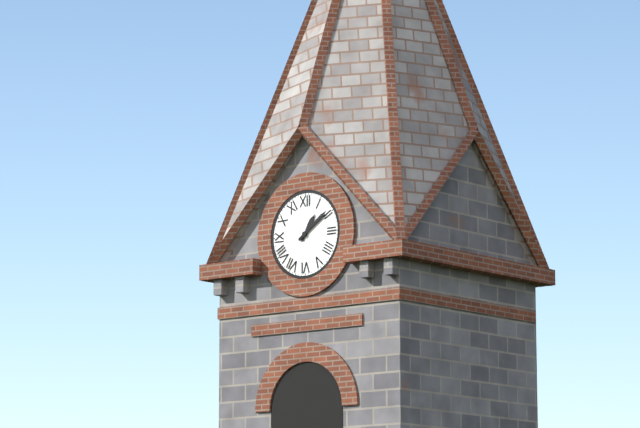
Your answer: **1:09**
